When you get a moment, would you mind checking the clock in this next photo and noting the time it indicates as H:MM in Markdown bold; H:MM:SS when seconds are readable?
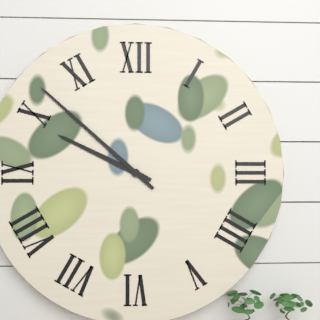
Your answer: **9:52**
